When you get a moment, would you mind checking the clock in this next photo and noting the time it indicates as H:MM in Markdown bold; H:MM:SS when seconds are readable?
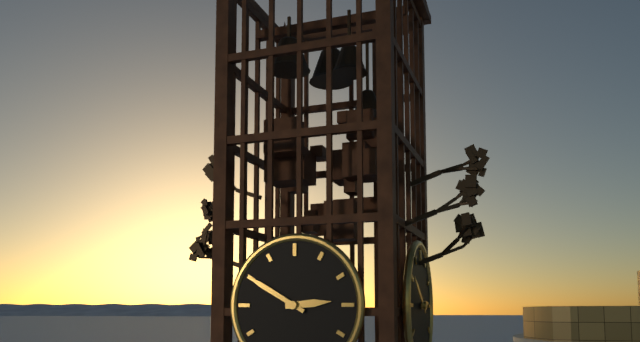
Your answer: **2:50**
